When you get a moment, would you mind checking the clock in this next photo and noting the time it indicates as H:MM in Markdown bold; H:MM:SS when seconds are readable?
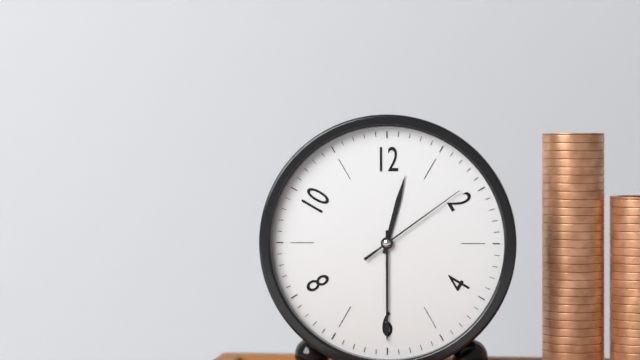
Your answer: **12:30:09**
